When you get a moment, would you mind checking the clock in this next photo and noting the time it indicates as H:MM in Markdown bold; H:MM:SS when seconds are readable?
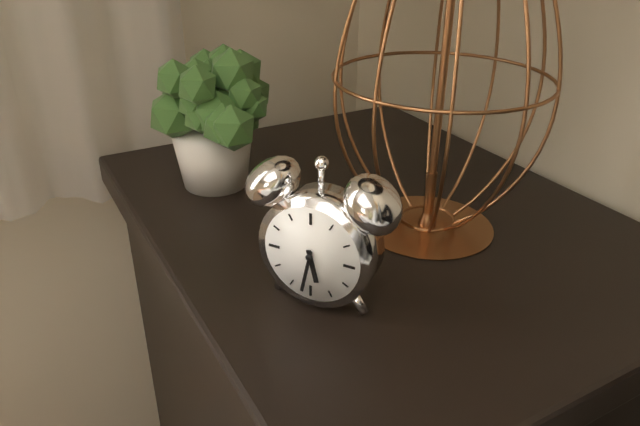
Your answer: **5:32**
